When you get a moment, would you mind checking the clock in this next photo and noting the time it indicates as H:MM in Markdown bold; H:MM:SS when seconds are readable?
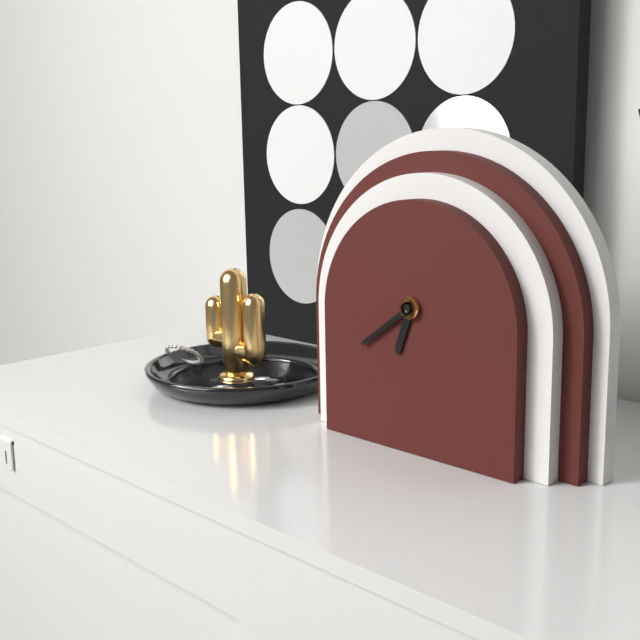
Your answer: **6:39**
